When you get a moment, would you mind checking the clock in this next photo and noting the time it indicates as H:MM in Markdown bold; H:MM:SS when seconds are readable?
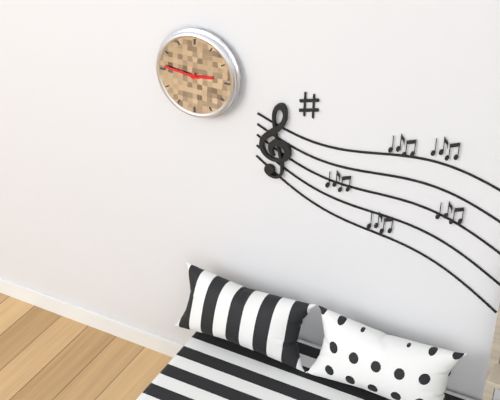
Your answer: **2:46**
